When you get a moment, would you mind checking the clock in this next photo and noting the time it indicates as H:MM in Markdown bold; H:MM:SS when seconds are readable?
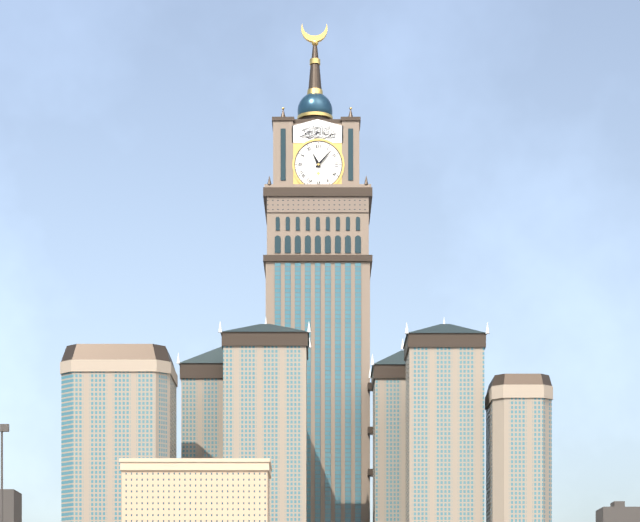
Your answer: **11:07**
